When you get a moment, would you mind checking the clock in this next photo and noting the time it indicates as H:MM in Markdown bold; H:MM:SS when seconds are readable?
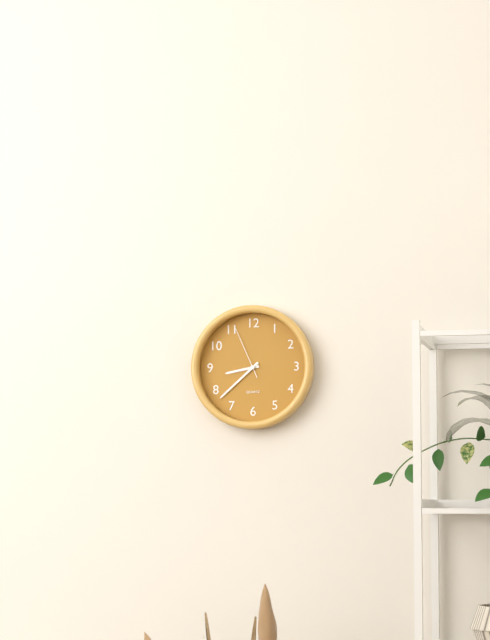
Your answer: **8:38:56**
